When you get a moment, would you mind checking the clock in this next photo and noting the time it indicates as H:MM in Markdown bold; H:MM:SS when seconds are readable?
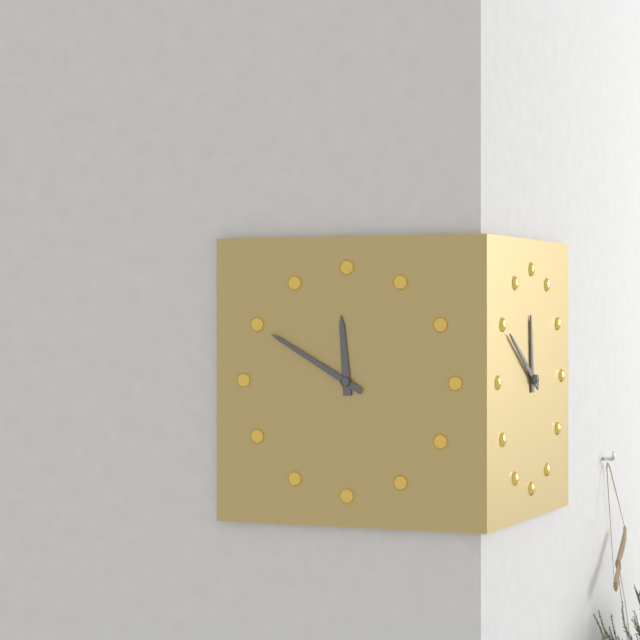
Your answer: **11:50**
